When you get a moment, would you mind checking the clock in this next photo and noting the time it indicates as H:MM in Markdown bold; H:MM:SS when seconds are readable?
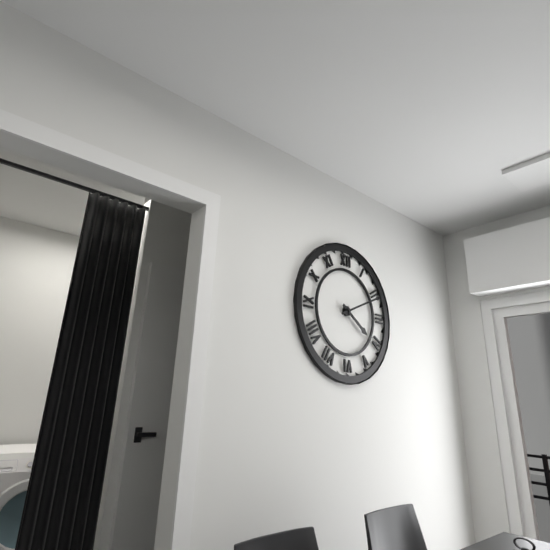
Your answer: **4:11**
